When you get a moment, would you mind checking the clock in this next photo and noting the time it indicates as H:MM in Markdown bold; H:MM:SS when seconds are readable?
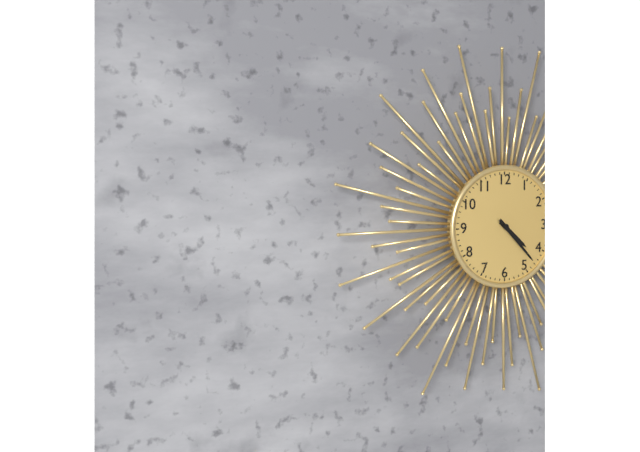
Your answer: **4:23**
